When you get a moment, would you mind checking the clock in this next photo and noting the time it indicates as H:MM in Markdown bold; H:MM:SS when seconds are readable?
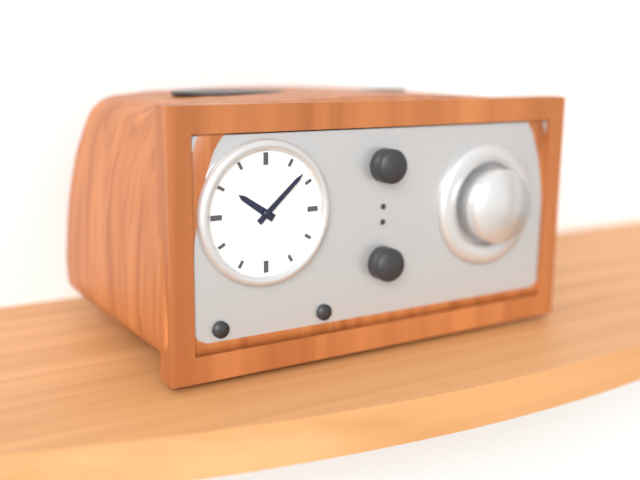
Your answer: **10:08**
